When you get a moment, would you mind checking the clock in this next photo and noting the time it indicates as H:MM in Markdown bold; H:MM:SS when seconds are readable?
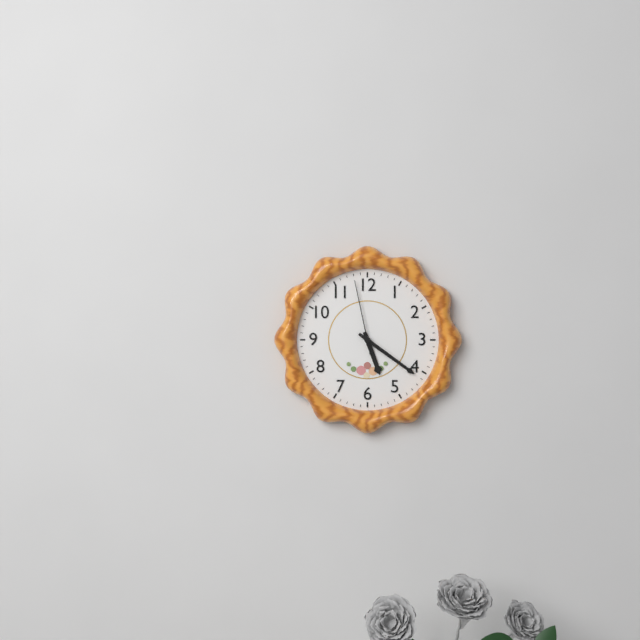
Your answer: **5:21:58**
